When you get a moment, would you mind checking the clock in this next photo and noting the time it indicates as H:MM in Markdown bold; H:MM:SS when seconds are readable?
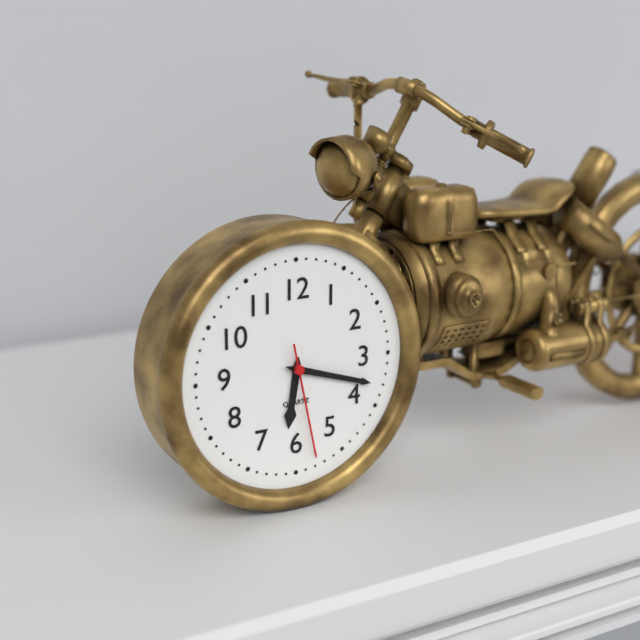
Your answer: **6:18:28**
